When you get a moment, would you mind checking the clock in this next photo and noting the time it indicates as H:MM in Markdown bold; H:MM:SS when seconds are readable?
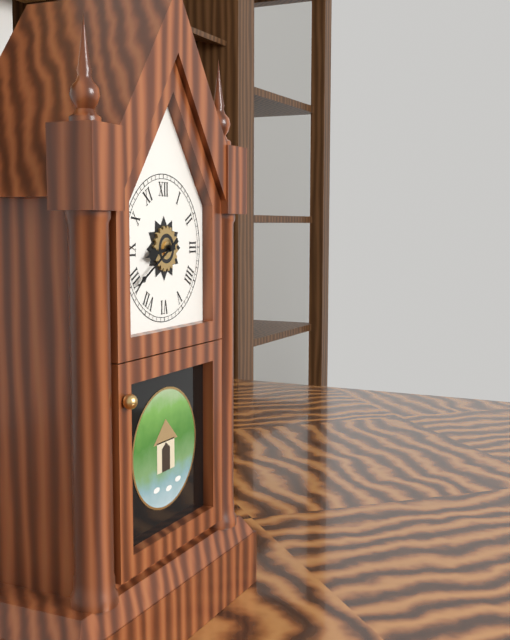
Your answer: **8:40**
